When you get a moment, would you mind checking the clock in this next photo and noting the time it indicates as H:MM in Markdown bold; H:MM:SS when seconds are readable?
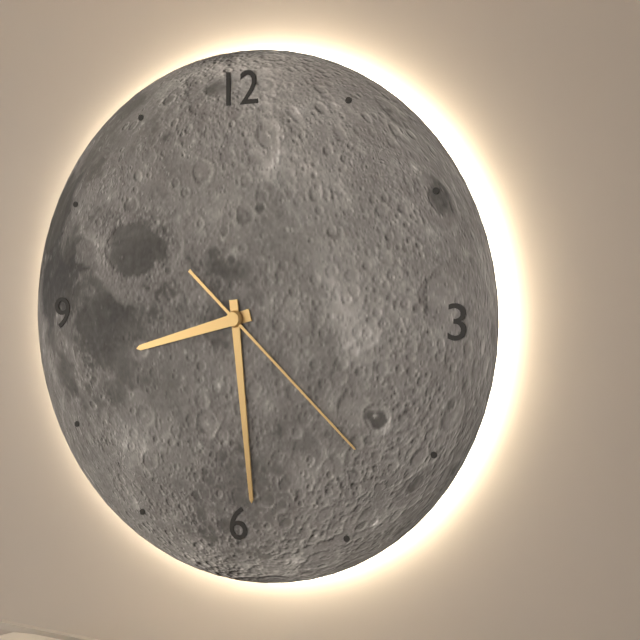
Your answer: **8:29:22**
